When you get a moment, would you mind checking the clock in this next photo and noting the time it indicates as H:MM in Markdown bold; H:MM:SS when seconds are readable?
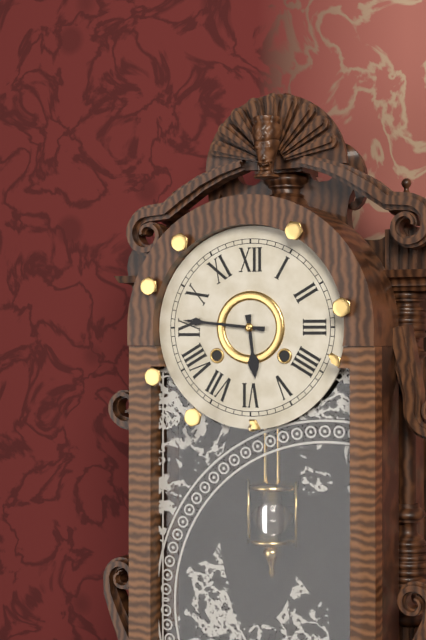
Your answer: **5:46**
